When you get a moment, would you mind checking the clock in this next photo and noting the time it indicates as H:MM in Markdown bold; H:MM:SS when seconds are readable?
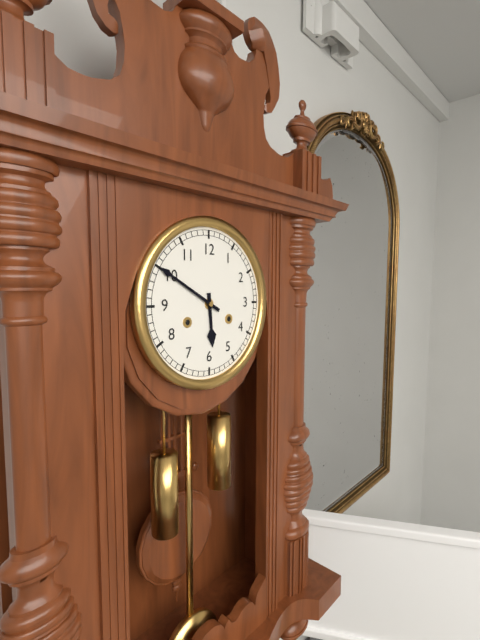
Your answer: **5:50**
